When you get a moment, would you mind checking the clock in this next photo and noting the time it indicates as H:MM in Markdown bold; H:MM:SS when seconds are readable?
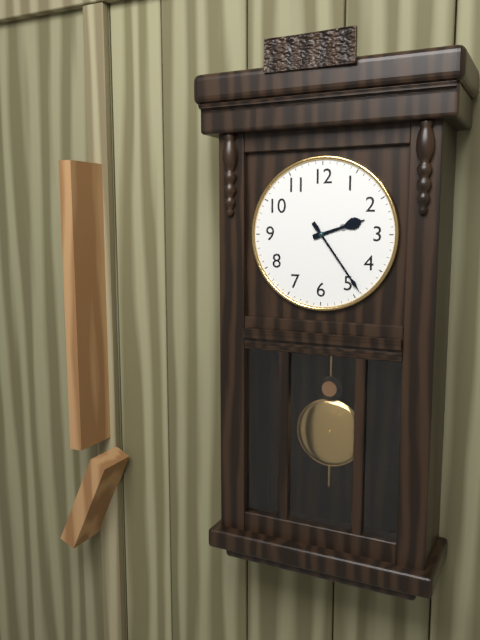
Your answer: **2:24**
